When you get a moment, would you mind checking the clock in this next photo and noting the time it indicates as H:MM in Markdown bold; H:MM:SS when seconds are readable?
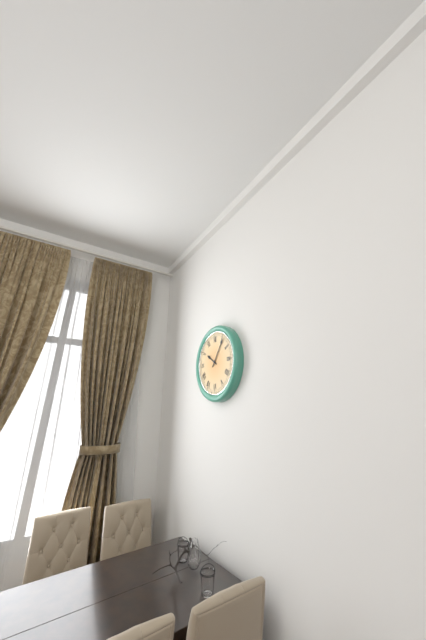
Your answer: **10:06**
